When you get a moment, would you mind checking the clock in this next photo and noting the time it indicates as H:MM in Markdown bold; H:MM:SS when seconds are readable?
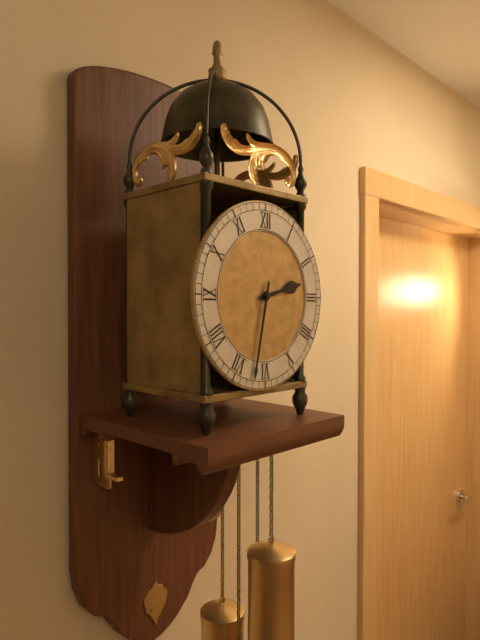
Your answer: **2:32**
